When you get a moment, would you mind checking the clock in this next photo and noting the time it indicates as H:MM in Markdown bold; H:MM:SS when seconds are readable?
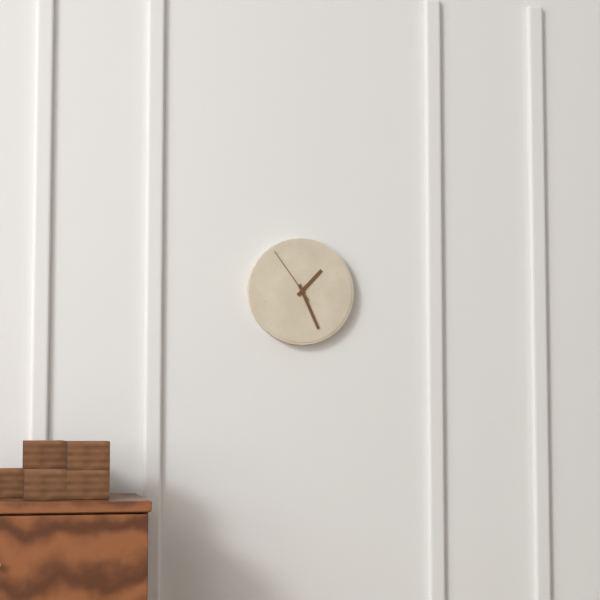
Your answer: **1:26:54**
